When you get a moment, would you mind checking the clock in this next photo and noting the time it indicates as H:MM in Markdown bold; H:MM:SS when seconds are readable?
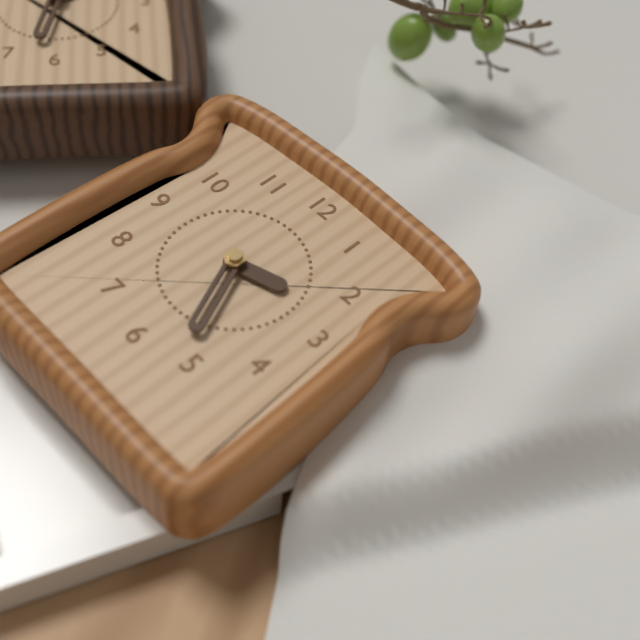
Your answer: **2:26**
